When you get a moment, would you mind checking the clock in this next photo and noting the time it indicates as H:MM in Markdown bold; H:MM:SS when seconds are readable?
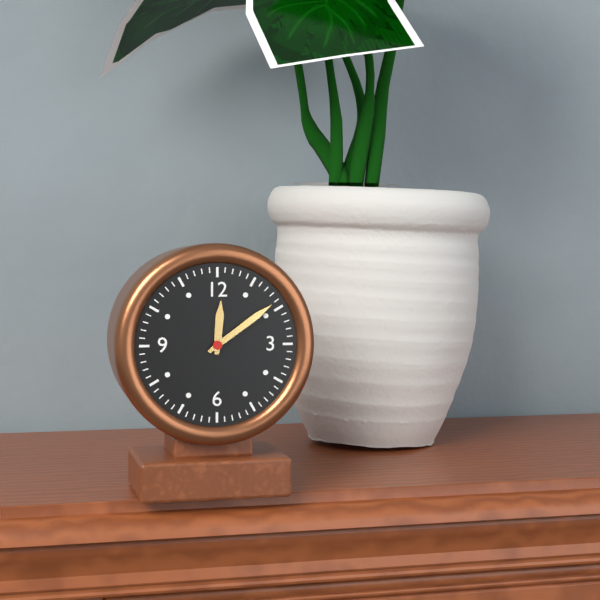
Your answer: **12:09**
